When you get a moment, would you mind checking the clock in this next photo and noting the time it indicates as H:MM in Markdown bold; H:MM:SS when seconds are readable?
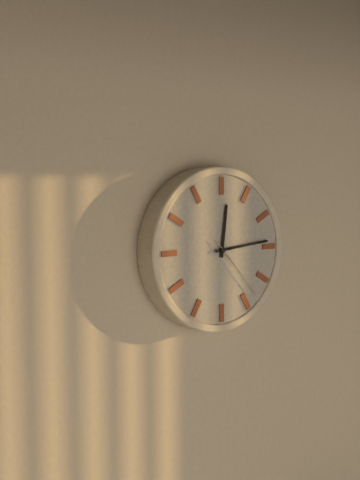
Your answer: **12:14:23**
